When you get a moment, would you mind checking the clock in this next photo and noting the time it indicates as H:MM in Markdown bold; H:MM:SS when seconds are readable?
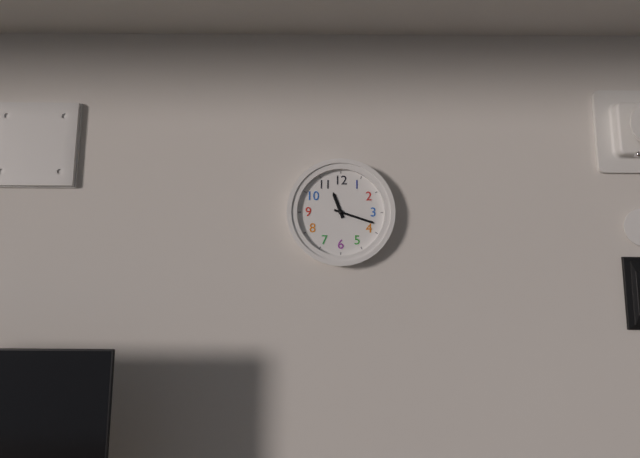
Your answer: **11:18**
